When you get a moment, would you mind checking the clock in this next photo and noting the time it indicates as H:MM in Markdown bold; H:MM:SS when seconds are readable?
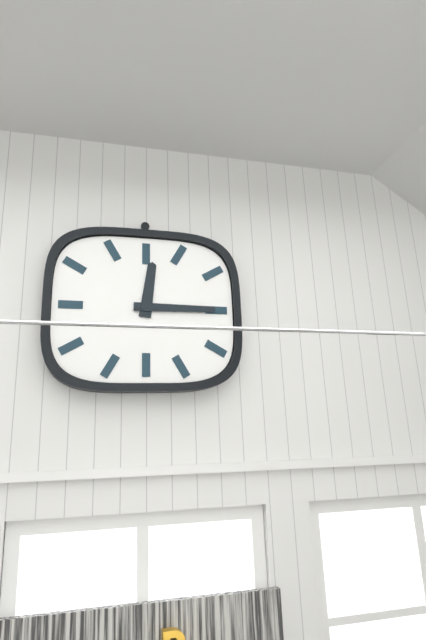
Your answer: **12:15**
